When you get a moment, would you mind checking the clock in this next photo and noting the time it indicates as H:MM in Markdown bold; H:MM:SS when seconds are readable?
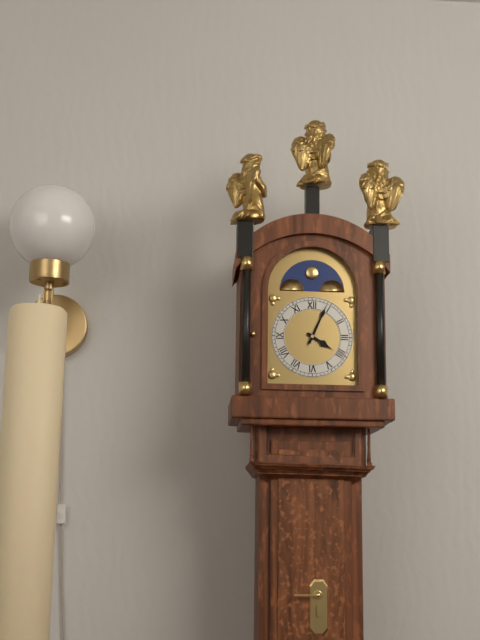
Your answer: **4:04**
